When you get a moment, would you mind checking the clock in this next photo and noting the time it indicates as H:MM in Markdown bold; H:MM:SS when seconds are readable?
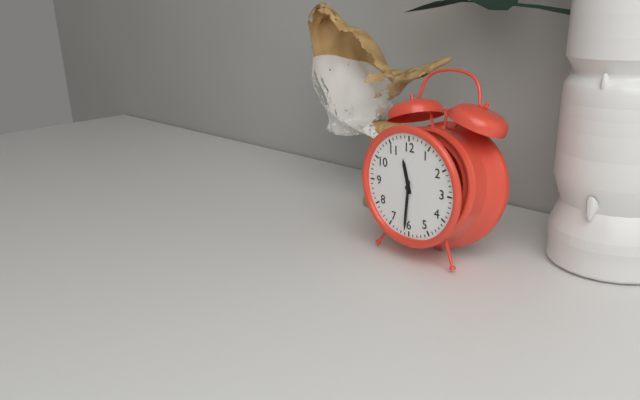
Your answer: **11:31**
